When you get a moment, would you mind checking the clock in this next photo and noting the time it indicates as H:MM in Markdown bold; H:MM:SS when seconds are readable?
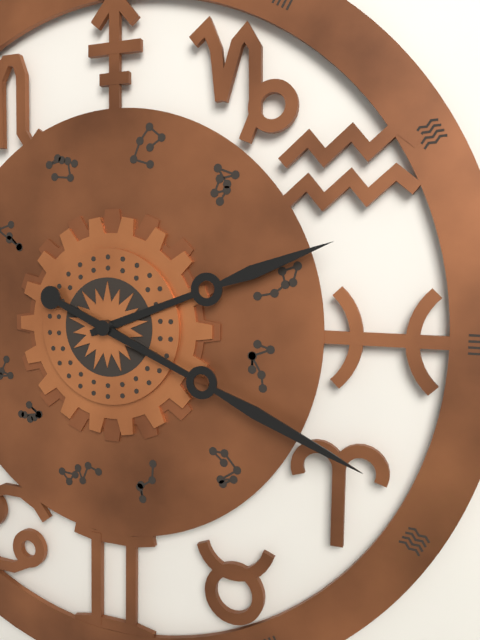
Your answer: **2:19**
